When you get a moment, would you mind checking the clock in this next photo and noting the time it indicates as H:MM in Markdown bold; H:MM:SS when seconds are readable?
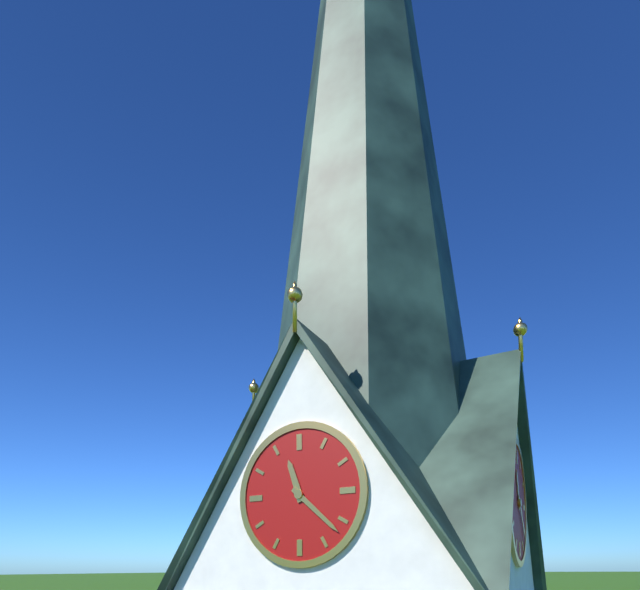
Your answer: **11:22**
